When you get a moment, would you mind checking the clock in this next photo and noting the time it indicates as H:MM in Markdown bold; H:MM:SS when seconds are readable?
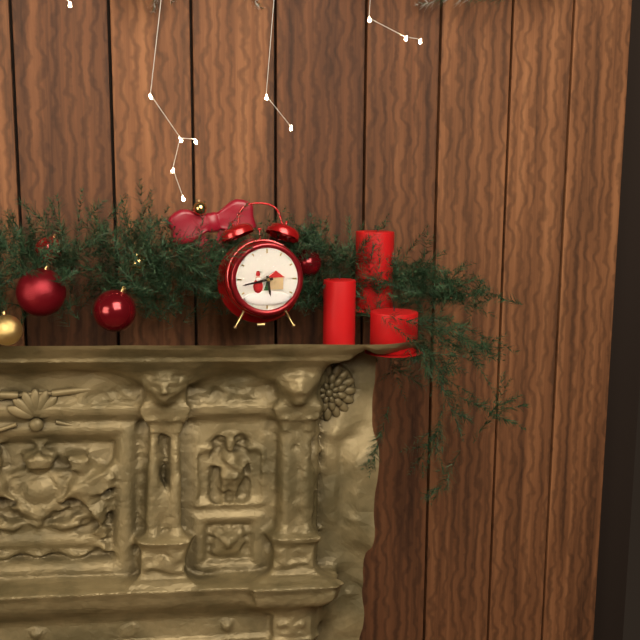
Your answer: **5:43**
